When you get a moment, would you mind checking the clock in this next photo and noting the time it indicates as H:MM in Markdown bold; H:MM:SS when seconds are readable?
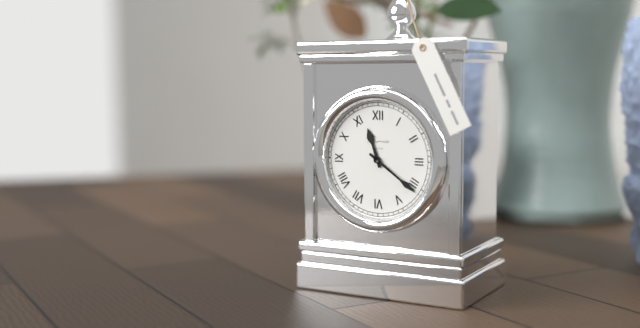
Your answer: **11:21**
